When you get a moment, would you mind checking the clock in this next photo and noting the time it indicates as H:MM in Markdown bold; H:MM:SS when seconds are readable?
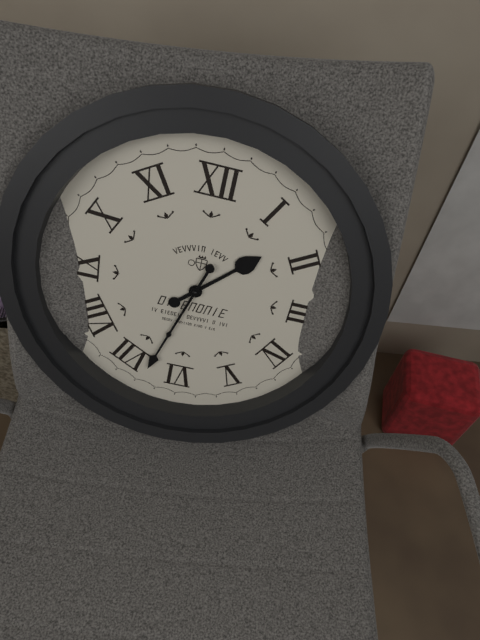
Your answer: **1:33**
